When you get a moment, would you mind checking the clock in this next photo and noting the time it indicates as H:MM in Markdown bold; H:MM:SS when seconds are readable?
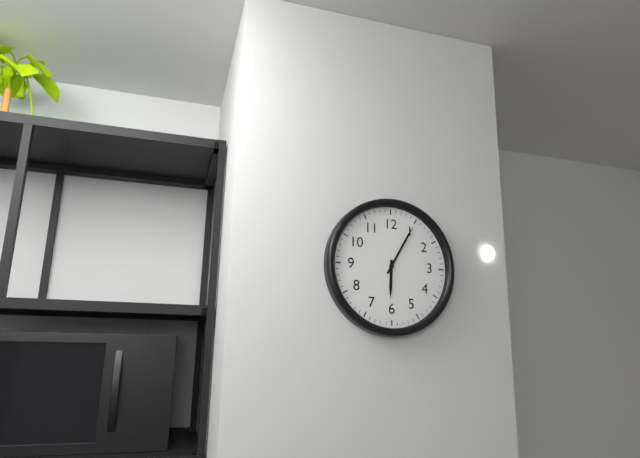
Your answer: **6:05**
